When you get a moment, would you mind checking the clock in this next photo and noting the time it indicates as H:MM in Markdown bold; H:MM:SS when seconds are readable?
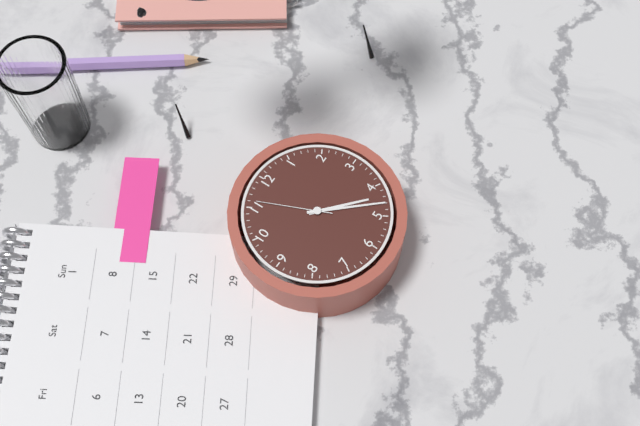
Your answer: **4:23:56**
